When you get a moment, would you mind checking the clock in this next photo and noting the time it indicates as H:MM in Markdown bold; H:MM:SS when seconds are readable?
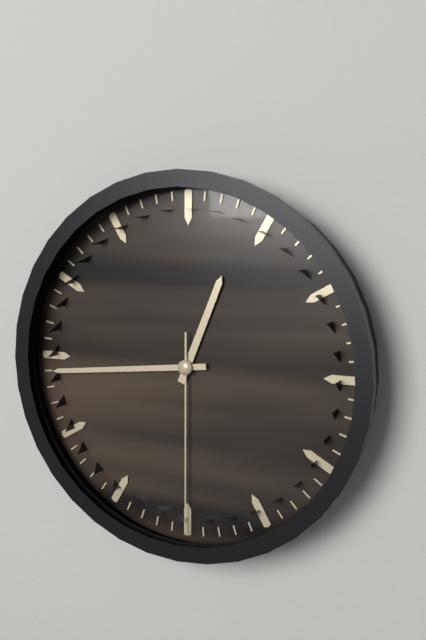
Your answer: **12:44:30**
